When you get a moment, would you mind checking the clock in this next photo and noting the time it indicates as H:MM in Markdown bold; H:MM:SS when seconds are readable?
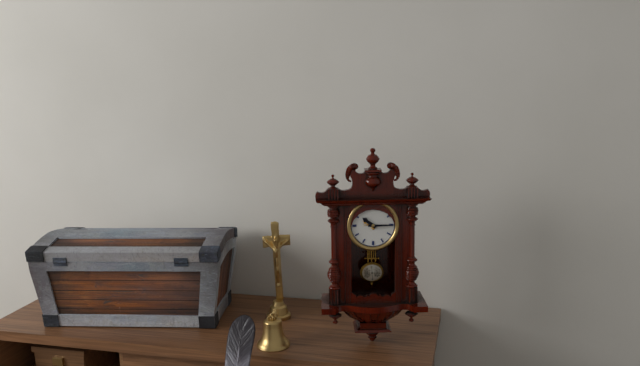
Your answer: **10:15**
